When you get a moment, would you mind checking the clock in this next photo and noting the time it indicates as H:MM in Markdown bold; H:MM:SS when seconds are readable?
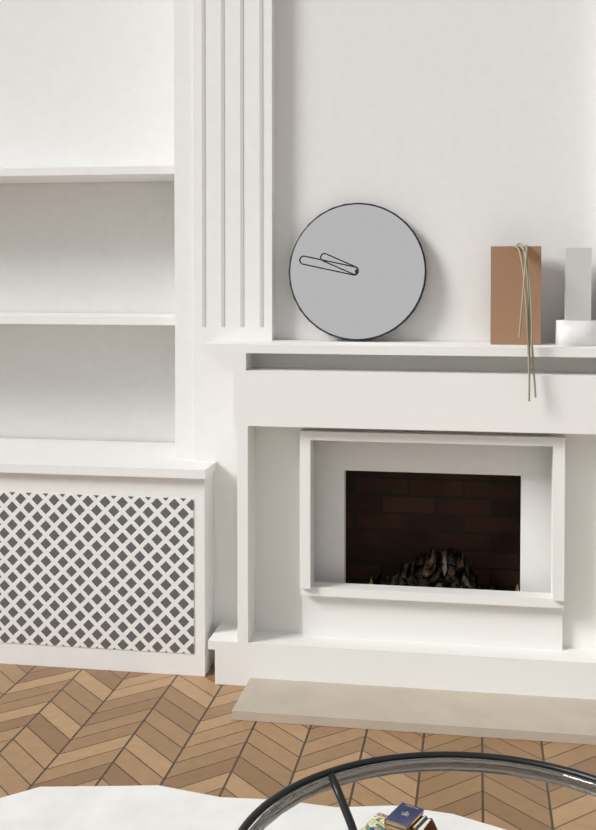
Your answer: **9:47**
